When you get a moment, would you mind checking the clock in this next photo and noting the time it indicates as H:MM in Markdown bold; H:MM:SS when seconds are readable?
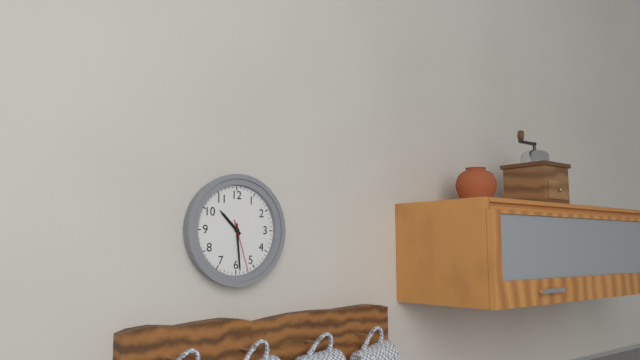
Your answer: **10:29:27**
